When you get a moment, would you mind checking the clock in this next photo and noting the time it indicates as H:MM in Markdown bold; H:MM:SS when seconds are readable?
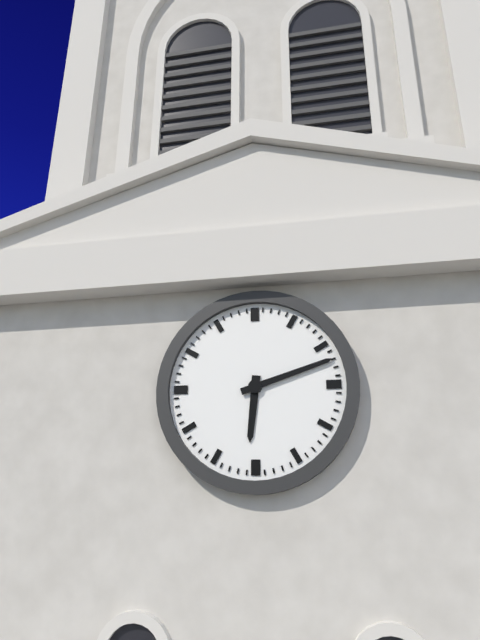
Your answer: **6:12**
